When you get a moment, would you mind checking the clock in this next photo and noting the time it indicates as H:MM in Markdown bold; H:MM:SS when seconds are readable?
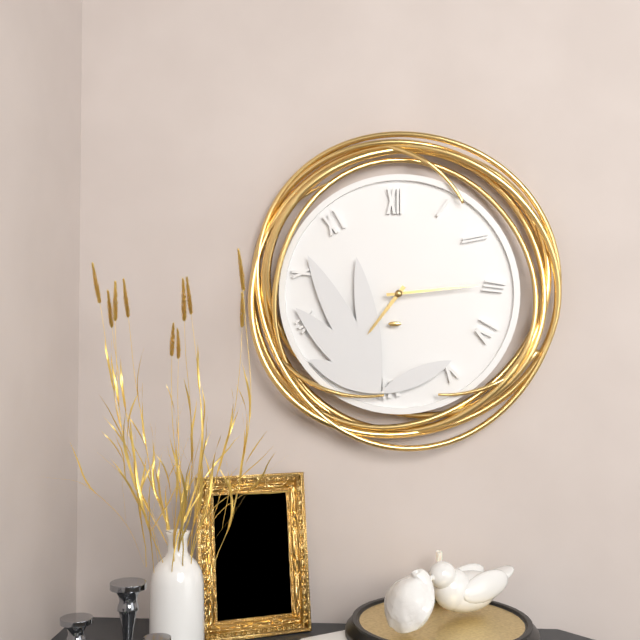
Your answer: **7:14**
